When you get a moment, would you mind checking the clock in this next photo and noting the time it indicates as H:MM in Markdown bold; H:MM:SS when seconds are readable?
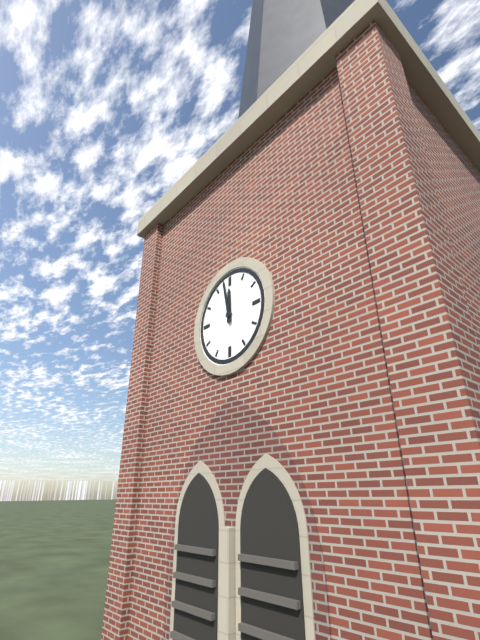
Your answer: **11:58**
